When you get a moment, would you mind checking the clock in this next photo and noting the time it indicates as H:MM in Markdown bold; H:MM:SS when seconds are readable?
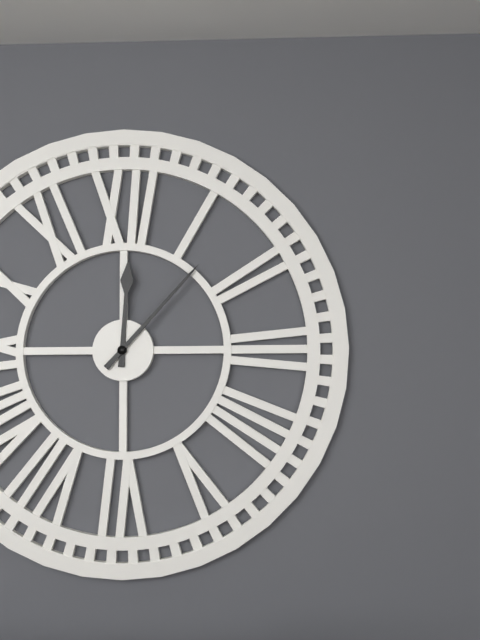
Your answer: **12:07**
